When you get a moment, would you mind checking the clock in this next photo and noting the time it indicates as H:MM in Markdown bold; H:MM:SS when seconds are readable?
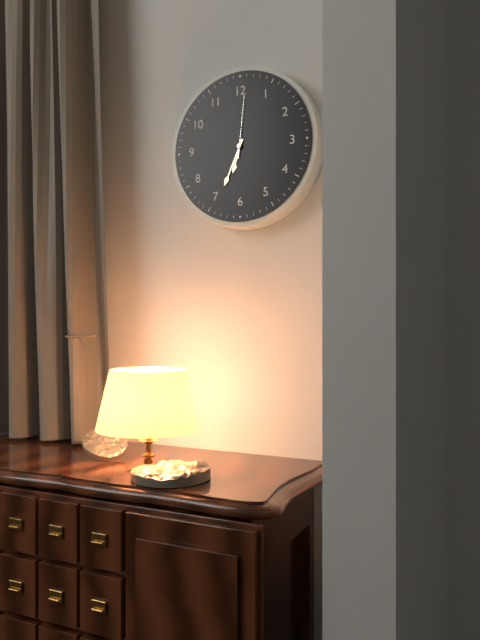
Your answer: **6:34:01**
